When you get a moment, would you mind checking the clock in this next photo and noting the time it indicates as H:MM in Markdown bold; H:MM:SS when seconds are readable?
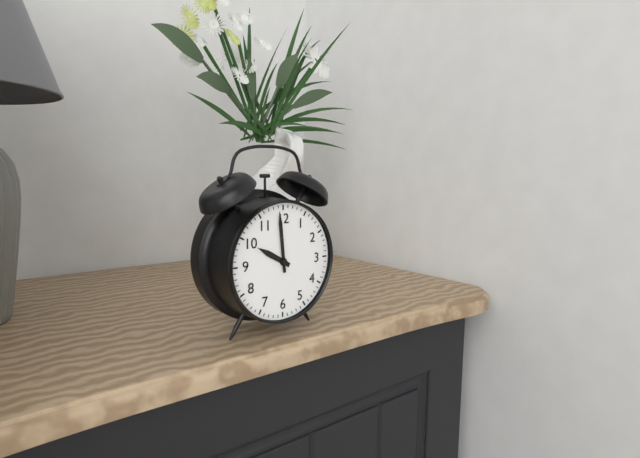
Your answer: **9:59**
